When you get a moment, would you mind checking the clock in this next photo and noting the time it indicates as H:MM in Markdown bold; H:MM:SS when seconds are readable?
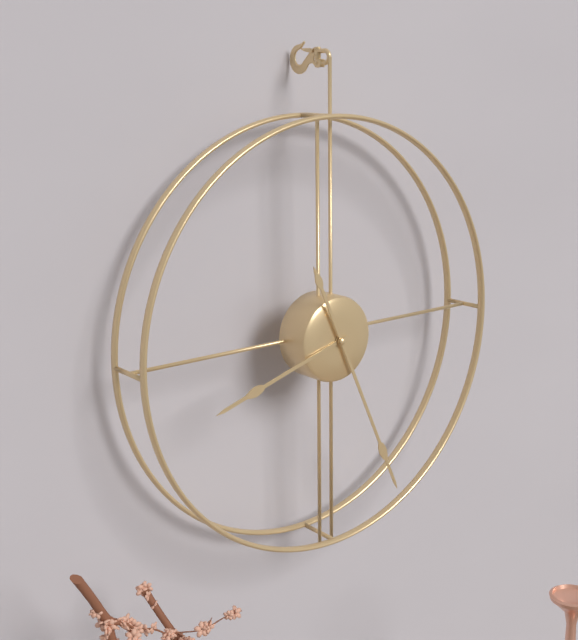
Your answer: **8:26**
